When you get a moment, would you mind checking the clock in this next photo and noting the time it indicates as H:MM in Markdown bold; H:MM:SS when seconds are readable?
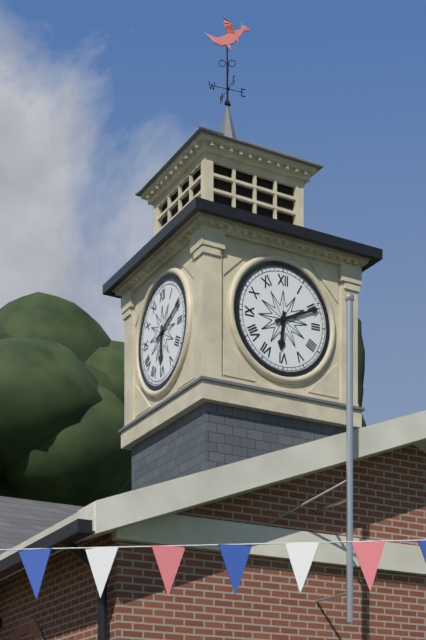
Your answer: **6:11**
